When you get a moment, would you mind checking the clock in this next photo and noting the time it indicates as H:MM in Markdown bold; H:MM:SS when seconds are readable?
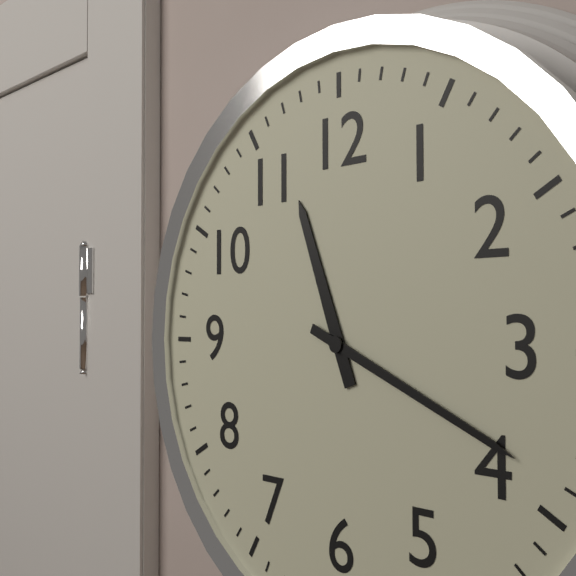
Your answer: **11:19**
